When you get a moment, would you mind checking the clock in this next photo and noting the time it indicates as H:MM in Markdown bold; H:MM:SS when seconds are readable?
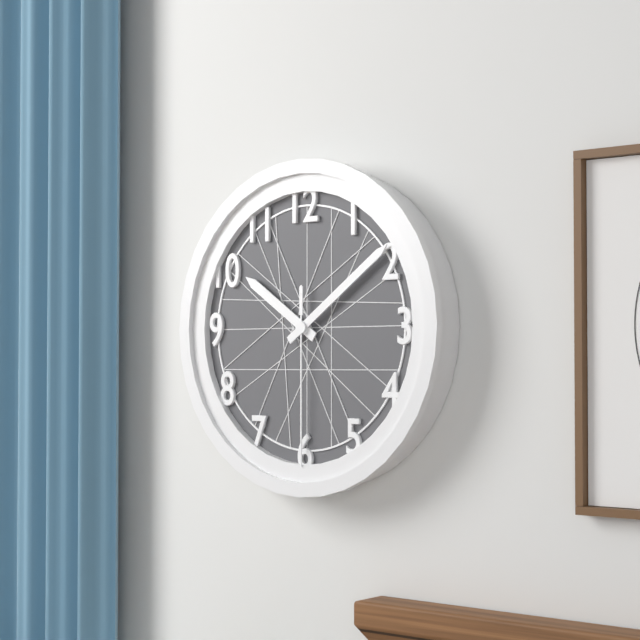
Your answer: **10:09:30**
